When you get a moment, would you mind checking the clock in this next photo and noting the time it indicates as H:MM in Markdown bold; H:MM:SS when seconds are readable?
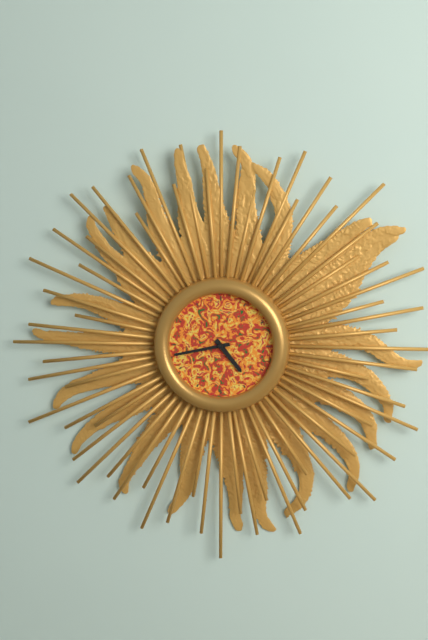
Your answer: **4:43**
